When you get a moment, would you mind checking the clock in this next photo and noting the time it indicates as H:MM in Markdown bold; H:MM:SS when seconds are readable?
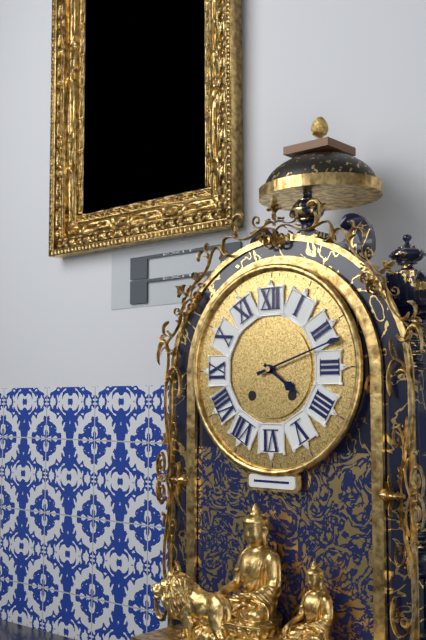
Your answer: **4:12**
